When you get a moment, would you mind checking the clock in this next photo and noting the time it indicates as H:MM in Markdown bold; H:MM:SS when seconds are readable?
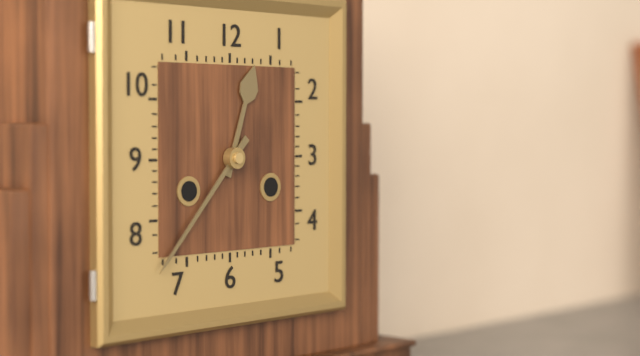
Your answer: **12:37**
